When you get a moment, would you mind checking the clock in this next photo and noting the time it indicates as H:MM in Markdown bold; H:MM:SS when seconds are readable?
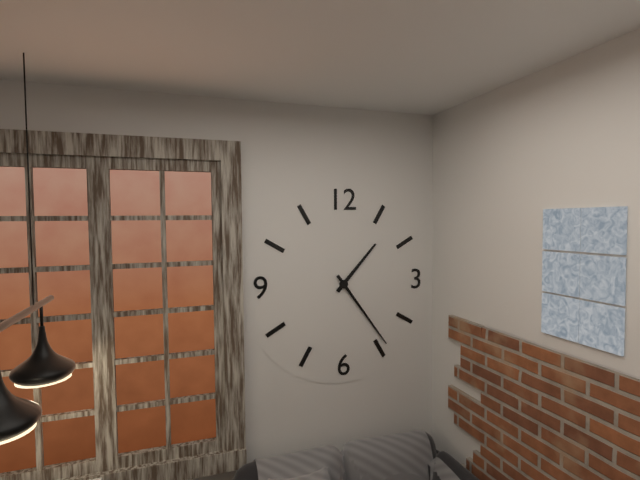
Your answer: **1:24**
